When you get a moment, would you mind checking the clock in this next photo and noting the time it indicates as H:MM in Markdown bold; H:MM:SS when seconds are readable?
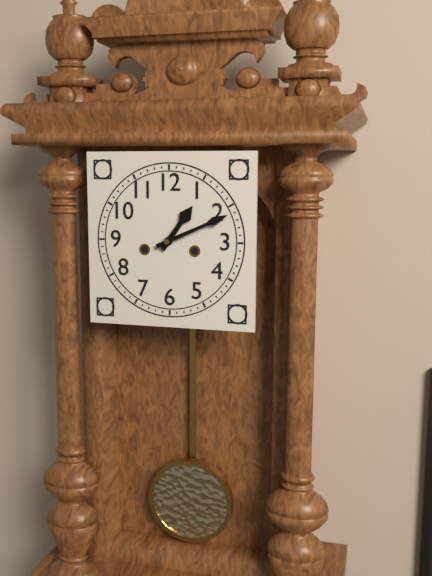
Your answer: **1:11**
